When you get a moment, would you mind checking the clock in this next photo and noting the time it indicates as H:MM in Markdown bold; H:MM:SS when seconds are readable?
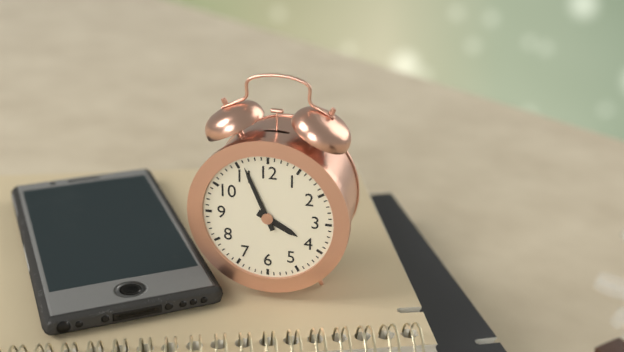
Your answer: **3:56**
